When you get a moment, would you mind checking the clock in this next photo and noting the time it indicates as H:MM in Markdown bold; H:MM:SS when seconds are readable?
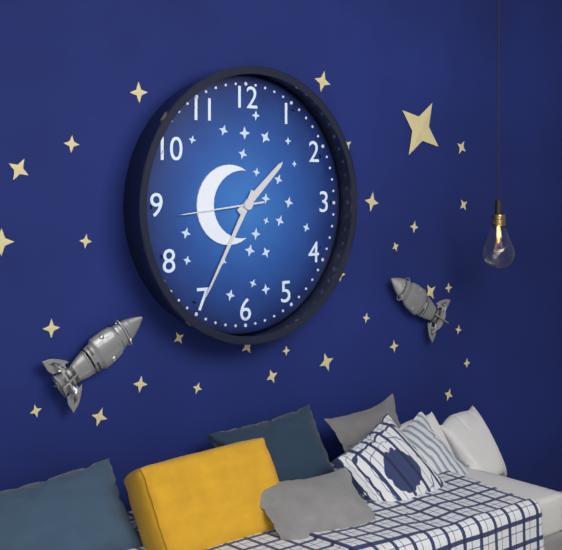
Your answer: **1:35:44**
